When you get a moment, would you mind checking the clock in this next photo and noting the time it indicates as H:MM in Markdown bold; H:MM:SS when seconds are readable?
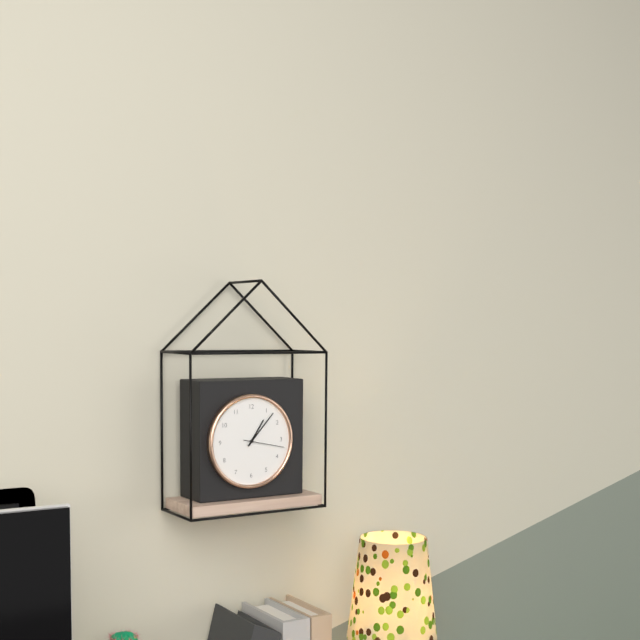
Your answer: **1:07**
